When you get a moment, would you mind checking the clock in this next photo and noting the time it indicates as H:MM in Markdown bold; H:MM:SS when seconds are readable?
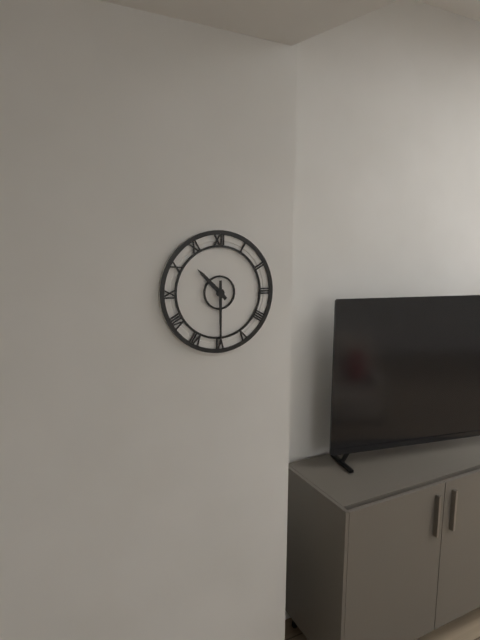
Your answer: **10:30**
